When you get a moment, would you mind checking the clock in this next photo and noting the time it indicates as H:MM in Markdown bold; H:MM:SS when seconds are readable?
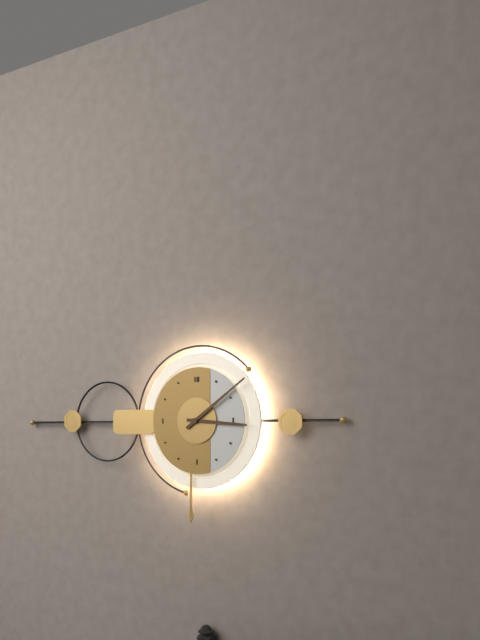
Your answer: **3:09**
